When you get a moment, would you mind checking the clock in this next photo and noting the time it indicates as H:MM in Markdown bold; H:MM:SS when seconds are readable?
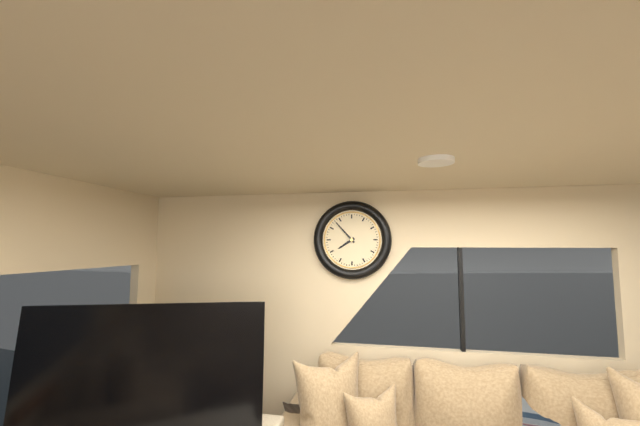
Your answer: **7:53**
